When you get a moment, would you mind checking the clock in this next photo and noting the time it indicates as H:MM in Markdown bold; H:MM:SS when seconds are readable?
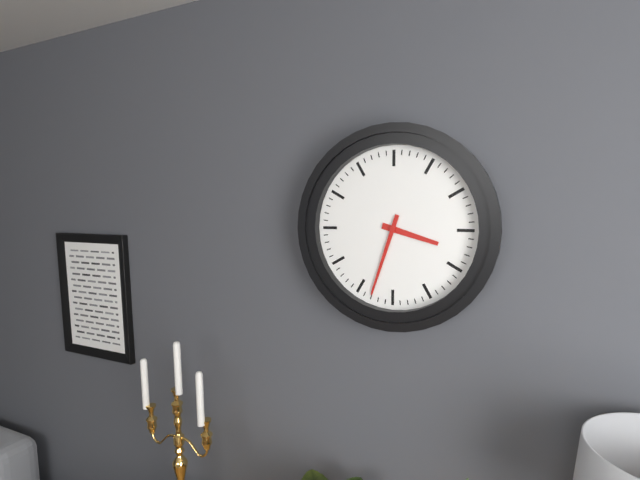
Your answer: **3:33**
